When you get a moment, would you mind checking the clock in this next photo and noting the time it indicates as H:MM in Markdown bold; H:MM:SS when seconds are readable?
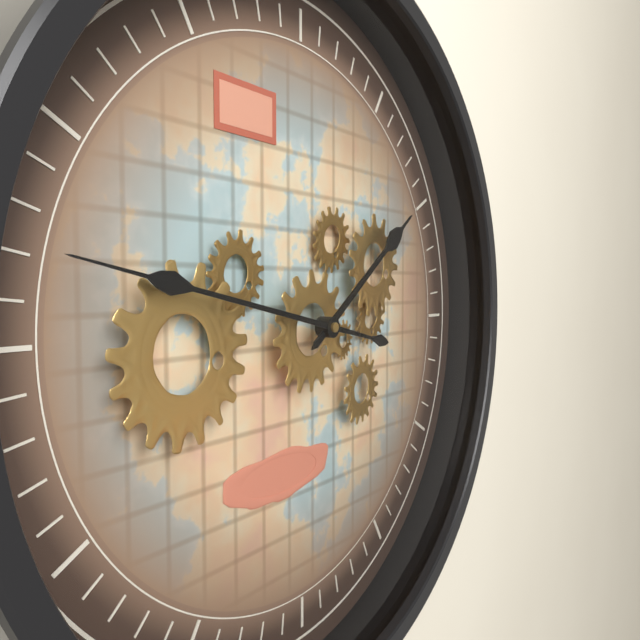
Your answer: **1:47**
